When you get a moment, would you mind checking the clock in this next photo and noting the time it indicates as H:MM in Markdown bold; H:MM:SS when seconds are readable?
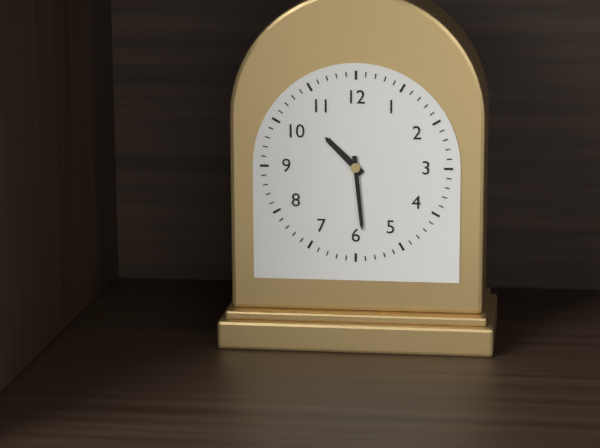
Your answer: **10:29**
